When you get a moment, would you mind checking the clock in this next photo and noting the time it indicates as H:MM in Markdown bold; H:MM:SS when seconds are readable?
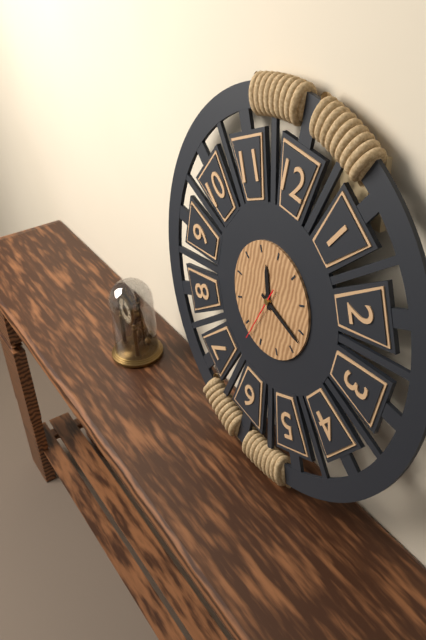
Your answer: **11:17:33**
